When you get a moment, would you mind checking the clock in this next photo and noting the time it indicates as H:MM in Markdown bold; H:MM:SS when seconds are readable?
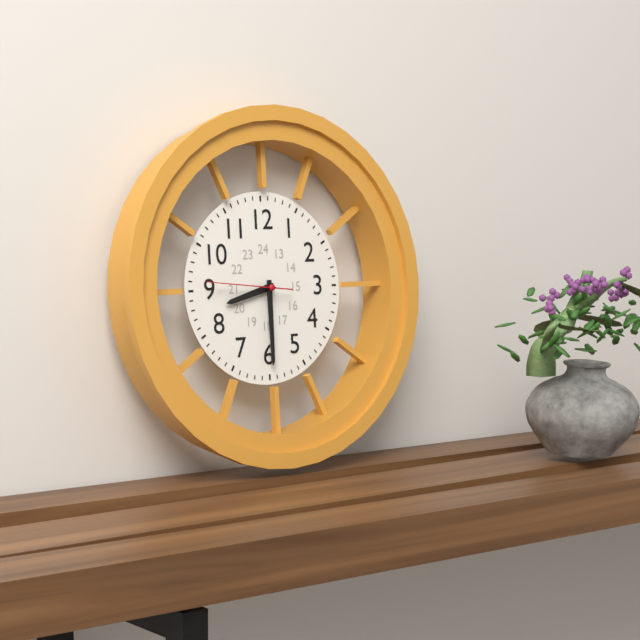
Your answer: **8:30:46**
